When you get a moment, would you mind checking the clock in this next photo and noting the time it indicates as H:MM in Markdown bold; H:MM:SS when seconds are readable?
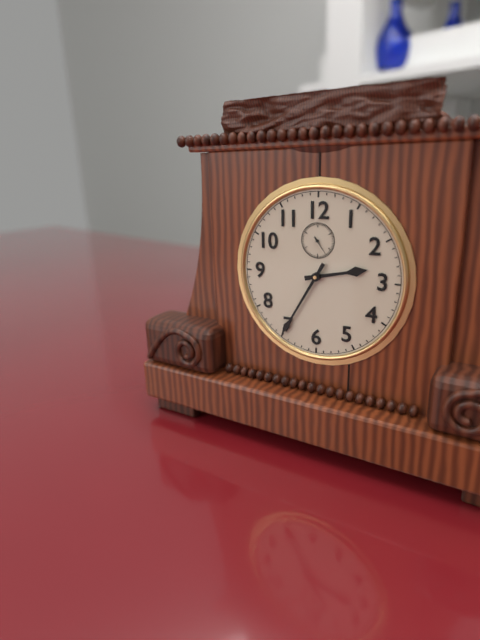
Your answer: **2:35**
